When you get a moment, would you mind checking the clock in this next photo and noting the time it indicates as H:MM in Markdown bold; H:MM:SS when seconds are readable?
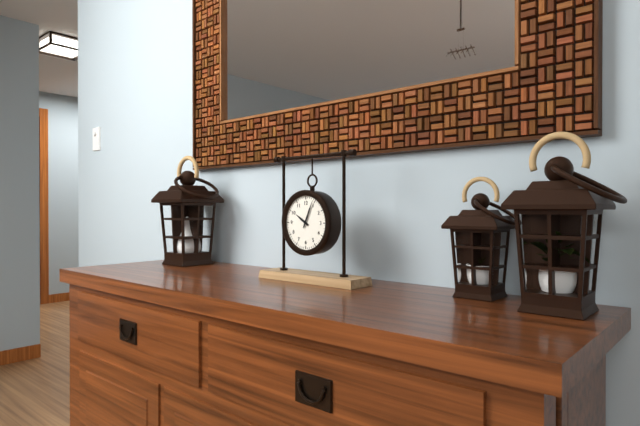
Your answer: **10:04**
